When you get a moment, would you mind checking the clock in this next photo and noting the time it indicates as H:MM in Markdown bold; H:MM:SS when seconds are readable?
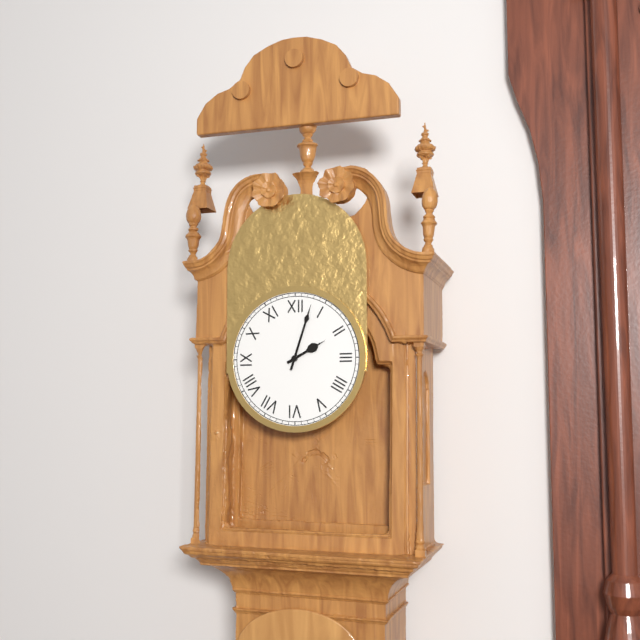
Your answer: **2:03**
